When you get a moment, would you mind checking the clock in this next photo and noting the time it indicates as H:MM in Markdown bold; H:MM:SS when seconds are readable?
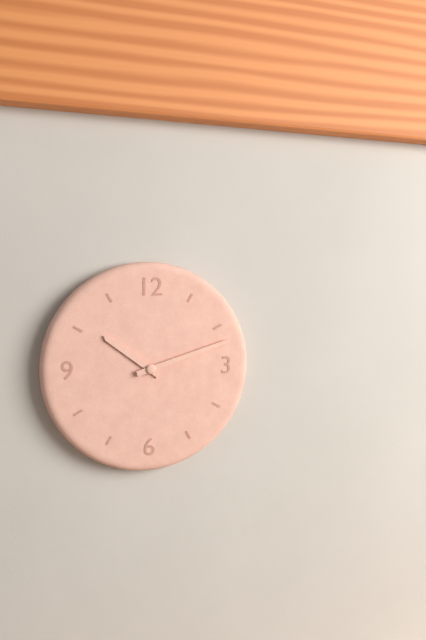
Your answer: **10:12**
